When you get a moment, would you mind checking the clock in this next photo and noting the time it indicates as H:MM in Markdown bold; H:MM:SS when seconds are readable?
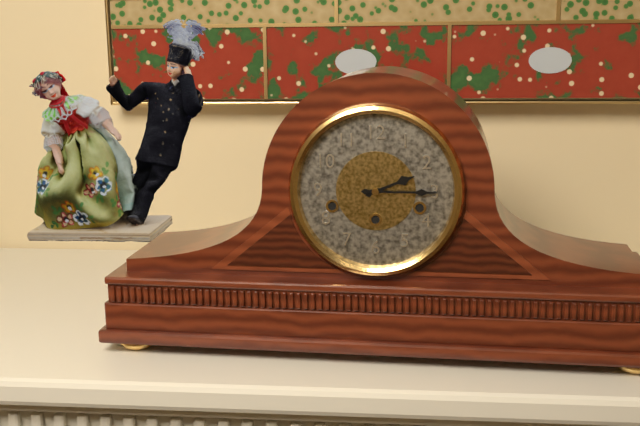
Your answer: **2:15**
